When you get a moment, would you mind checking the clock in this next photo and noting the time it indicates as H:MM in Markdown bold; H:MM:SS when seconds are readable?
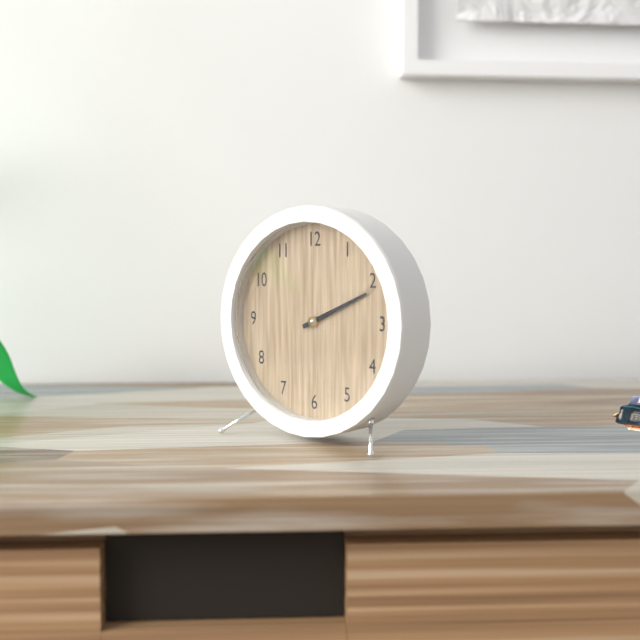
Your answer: **2:11**
